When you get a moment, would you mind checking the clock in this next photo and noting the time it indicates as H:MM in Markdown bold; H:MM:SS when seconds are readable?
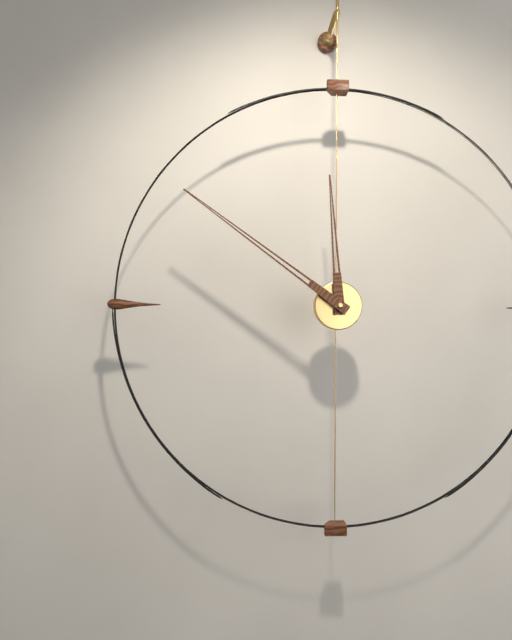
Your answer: **11:51**
